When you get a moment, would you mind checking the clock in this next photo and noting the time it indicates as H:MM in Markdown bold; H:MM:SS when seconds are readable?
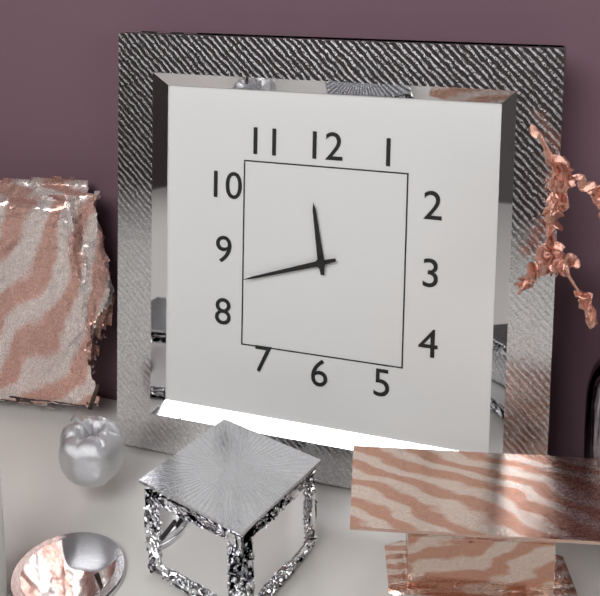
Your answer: **11:42**
